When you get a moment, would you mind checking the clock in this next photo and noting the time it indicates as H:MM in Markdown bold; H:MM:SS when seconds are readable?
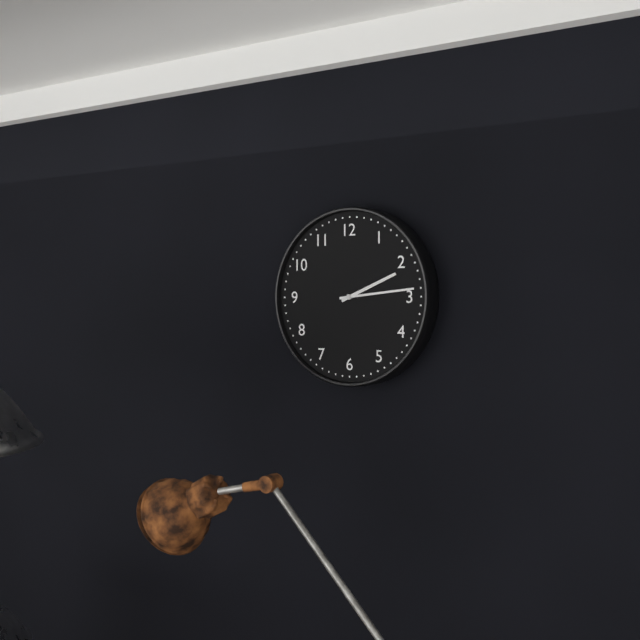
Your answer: **2:14**
